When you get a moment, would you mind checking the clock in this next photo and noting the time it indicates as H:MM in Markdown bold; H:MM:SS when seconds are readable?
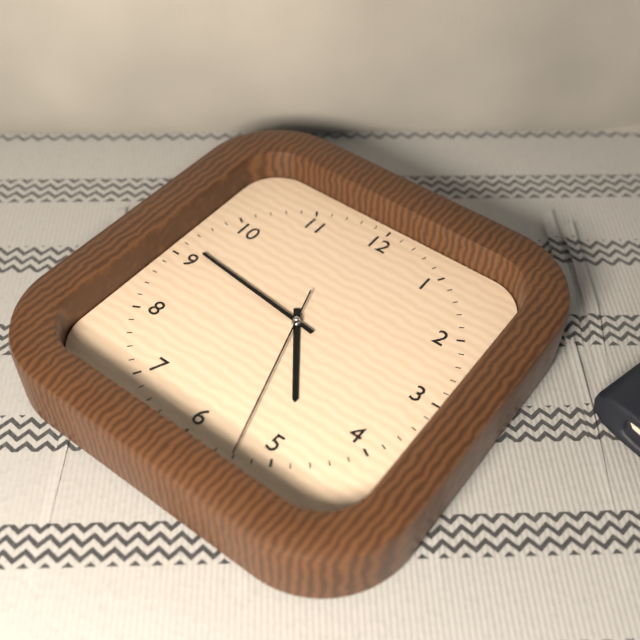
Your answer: **4:46:27**
